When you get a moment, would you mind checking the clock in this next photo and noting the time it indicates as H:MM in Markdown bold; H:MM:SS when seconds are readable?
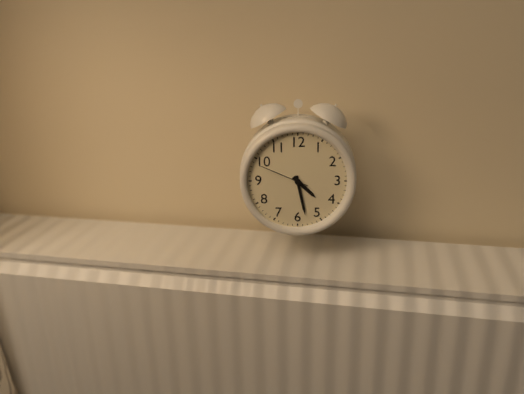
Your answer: **4:28:49**
